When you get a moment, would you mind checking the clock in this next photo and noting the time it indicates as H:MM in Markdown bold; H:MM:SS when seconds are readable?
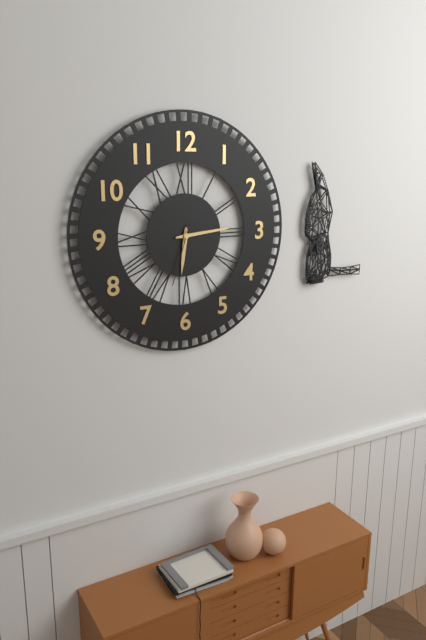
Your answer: **6:14:33**
